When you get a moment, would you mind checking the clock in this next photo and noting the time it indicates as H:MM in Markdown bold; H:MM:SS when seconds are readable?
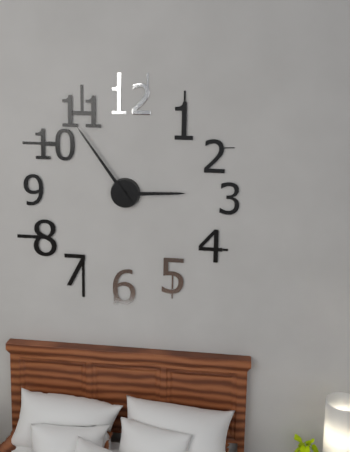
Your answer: **2:54**
